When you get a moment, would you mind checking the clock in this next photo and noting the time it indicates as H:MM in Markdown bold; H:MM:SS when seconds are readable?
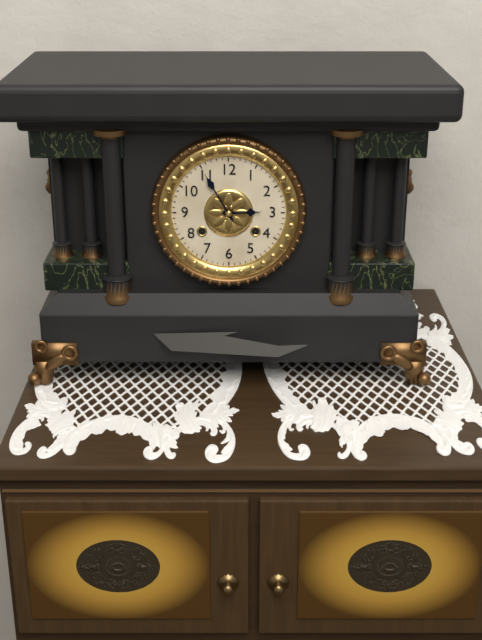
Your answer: **2:55**
